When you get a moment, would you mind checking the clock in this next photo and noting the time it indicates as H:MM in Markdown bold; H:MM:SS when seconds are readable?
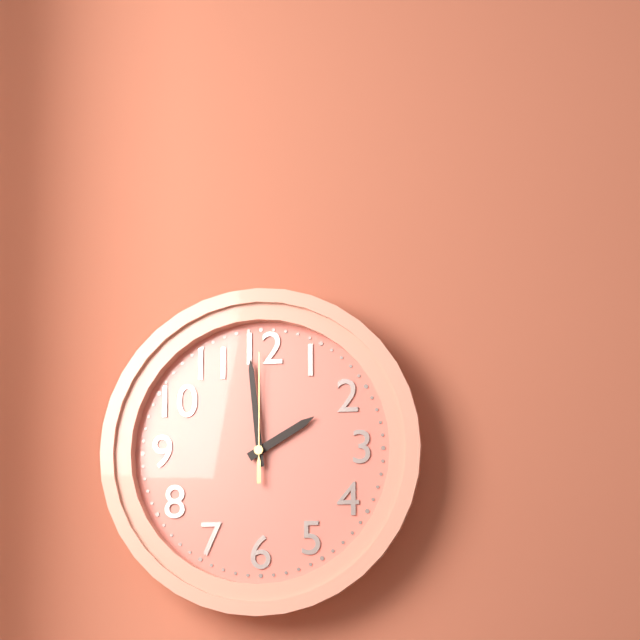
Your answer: **1:59:00**
